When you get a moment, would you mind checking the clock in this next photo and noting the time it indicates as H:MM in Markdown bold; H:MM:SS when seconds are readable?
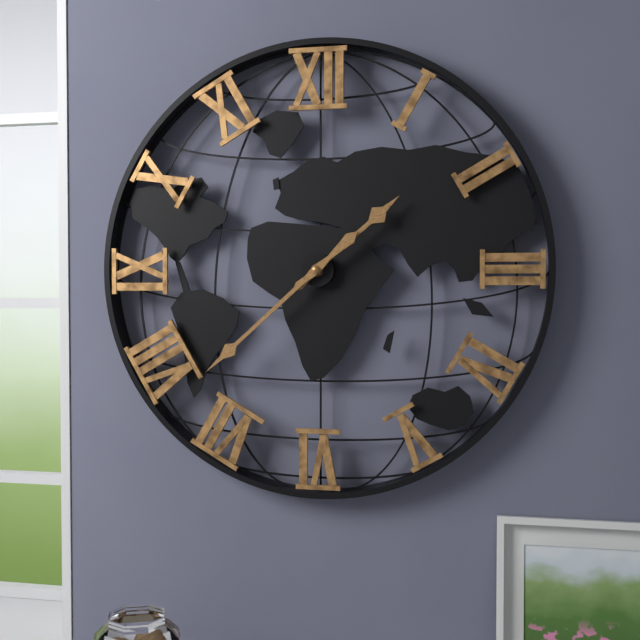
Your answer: **1:38**
